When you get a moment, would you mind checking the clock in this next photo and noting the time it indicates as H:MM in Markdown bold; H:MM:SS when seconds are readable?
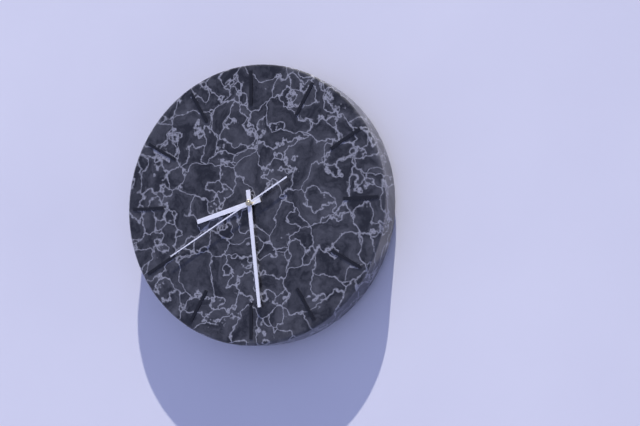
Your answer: **8:29:40**
